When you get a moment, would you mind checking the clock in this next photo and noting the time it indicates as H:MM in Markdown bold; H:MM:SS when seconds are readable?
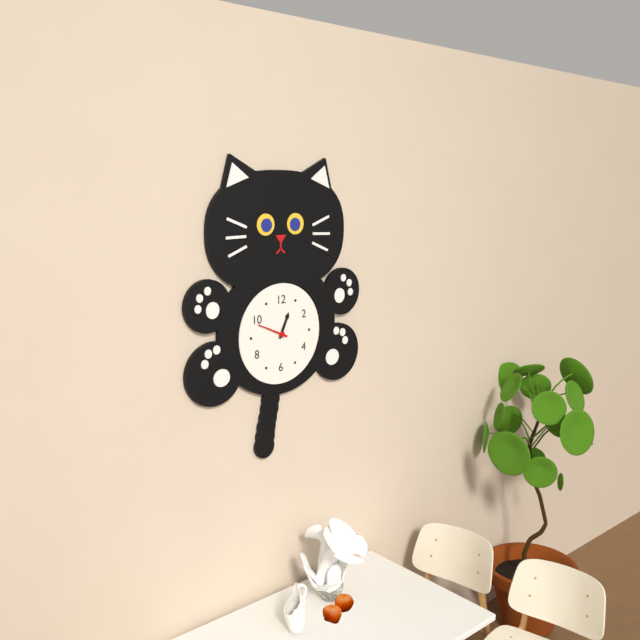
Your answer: **12:49**
